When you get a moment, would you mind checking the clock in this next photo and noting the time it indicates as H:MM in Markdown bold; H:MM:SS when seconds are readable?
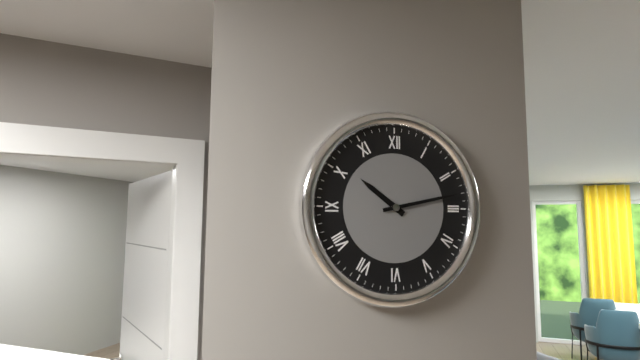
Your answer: **10:13**
